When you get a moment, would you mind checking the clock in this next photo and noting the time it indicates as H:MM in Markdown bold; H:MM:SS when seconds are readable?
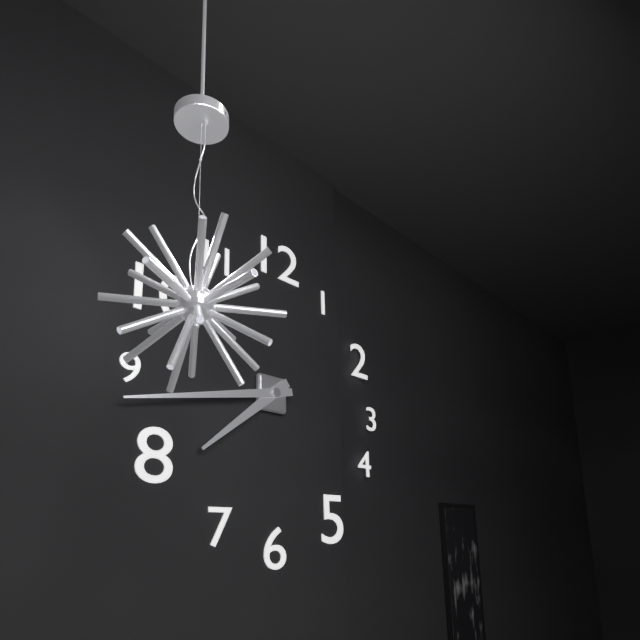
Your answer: **7:43**
